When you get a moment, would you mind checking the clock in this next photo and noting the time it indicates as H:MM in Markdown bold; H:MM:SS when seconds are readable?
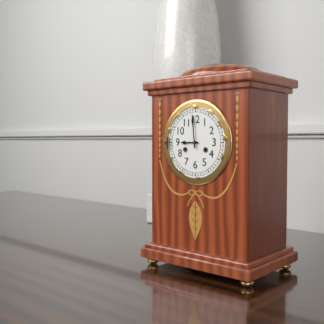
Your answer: **8:59**
